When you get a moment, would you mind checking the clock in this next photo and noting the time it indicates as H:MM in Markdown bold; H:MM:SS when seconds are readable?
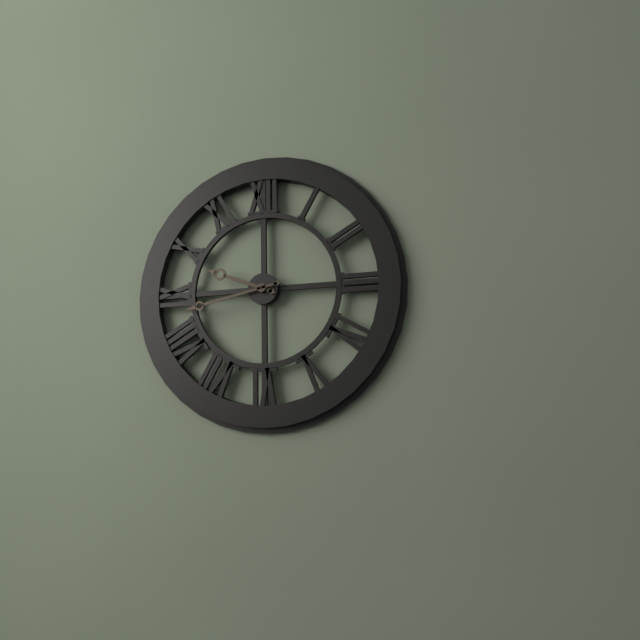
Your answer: **9:43**
